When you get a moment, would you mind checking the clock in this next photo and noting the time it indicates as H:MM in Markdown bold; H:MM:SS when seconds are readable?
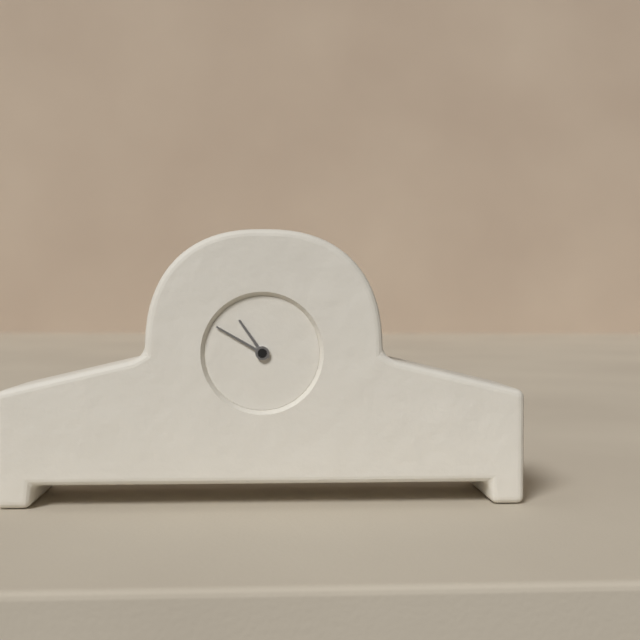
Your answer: **10:50**
